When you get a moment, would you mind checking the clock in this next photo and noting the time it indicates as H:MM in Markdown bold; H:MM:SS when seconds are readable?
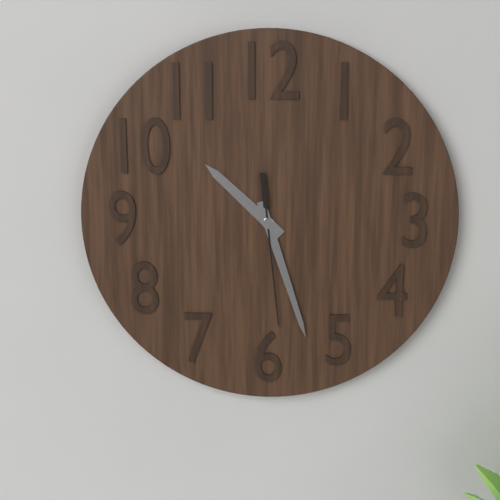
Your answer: **10:27:29**
